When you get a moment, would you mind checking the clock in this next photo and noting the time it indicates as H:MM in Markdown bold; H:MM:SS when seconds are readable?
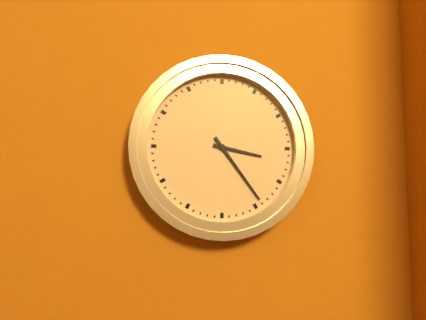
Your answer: **3:24**
